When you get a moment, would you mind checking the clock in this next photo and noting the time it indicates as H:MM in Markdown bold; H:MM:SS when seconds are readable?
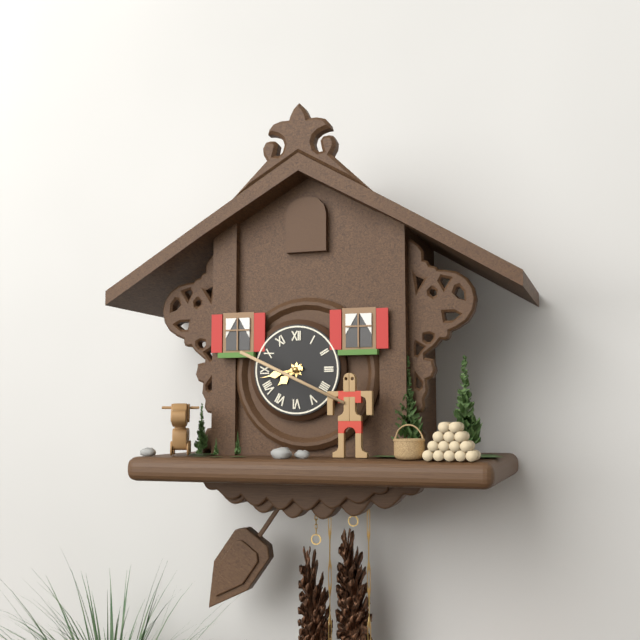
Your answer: **7:43**
